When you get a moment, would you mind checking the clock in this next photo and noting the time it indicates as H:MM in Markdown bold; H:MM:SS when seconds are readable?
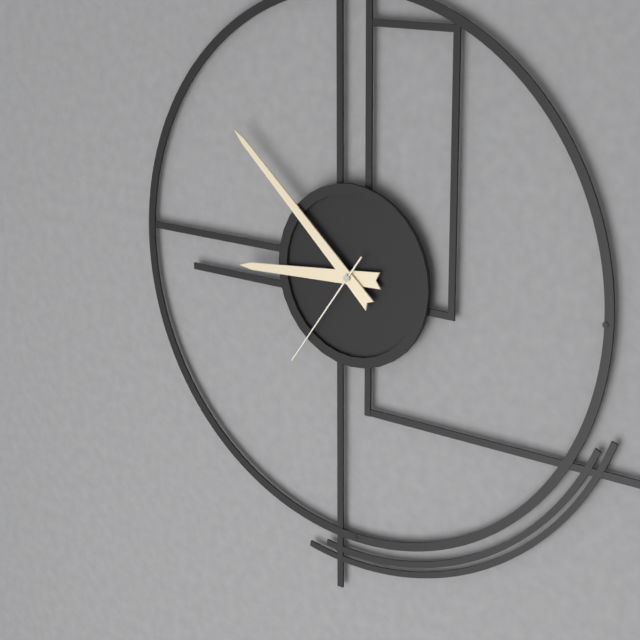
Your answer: **8:52:36**
